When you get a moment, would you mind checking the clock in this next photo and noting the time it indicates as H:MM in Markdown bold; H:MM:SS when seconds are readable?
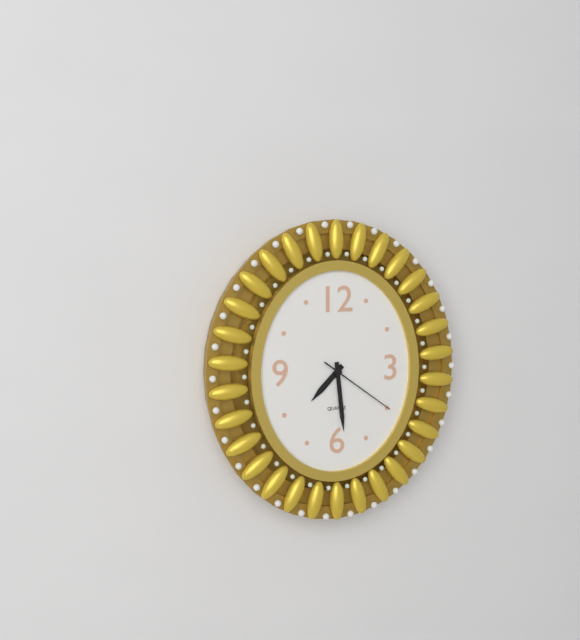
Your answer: **7:29:21**
